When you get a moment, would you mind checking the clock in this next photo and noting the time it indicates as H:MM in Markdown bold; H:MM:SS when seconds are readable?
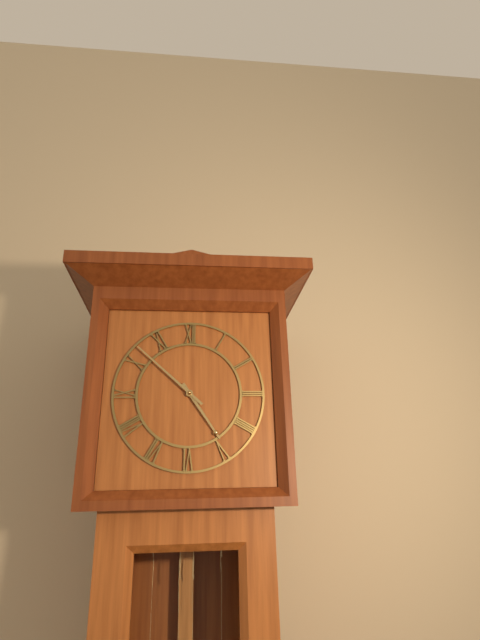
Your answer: **4:52**
